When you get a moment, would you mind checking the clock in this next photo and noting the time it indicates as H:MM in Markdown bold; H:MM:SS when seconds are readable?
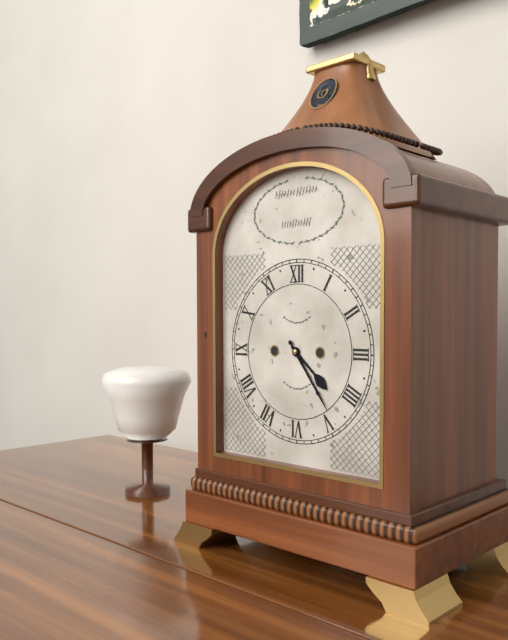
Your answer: **4:24**
